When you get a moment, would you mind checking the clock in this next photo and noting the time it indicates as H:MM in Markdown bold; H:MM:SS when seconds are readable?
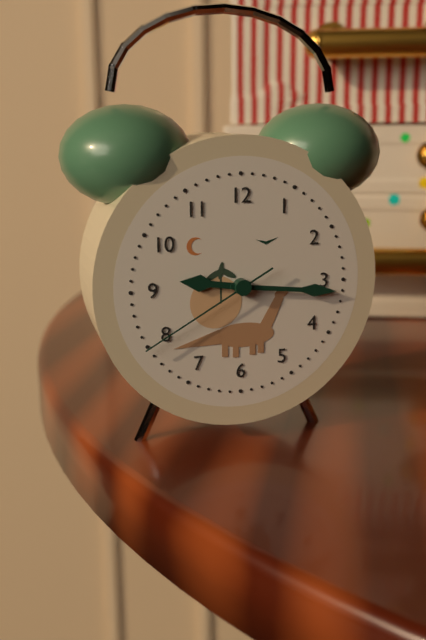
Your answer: **9:16:40**
